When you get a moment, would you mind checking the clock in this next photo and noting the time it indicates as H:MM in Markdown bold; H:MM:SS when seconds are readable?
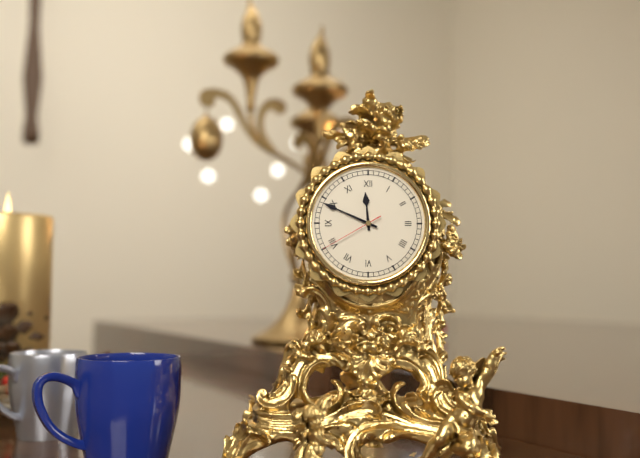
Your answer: **11:49:40**
